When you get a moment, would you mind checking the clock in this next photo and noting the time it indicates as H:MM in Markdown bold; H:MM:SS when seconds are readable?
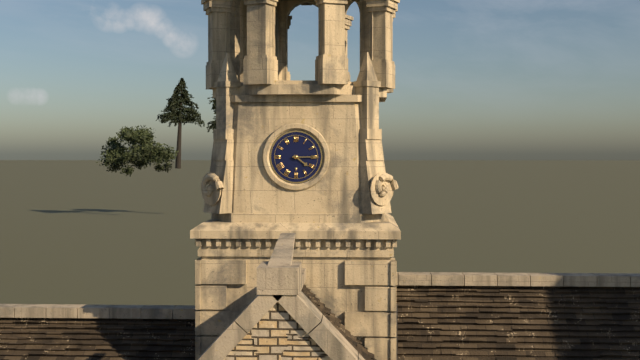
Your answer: **4:15**
